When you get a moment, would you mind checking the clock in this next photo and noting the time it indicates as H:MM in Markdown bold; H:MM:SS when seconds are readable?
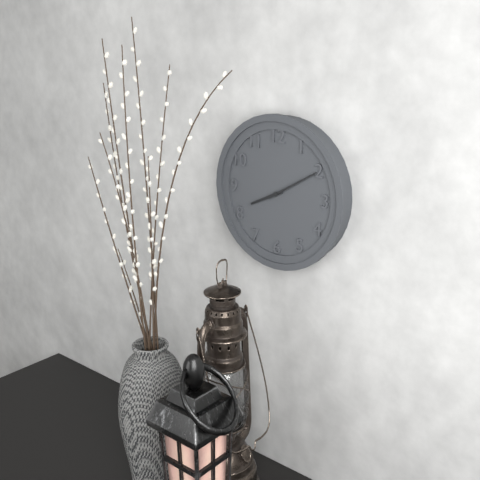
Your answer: **8:10**
